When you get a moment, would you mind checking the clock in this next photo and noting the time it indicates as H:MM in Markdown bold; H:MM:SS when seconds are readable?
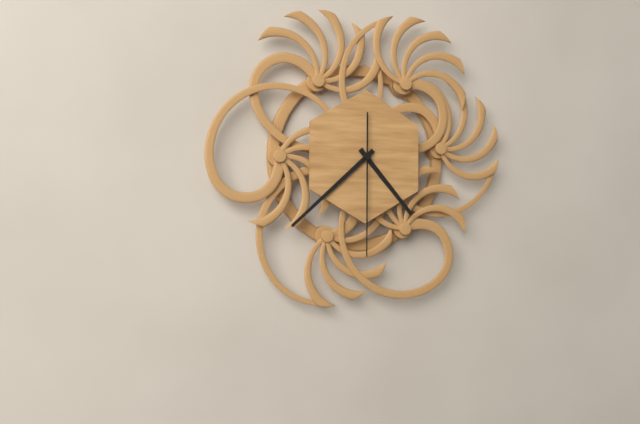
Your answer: **4:38:30**
